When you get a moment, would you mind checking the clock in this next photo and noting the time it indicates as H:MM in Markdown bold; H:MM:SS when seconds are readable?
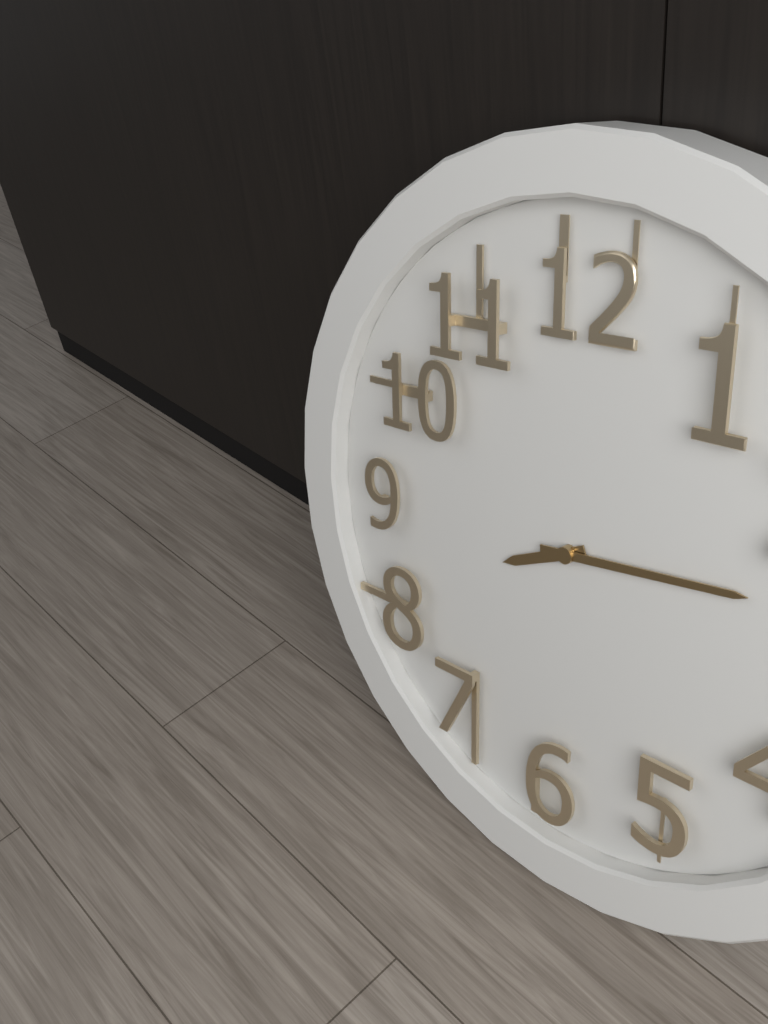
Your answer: **8:14**
